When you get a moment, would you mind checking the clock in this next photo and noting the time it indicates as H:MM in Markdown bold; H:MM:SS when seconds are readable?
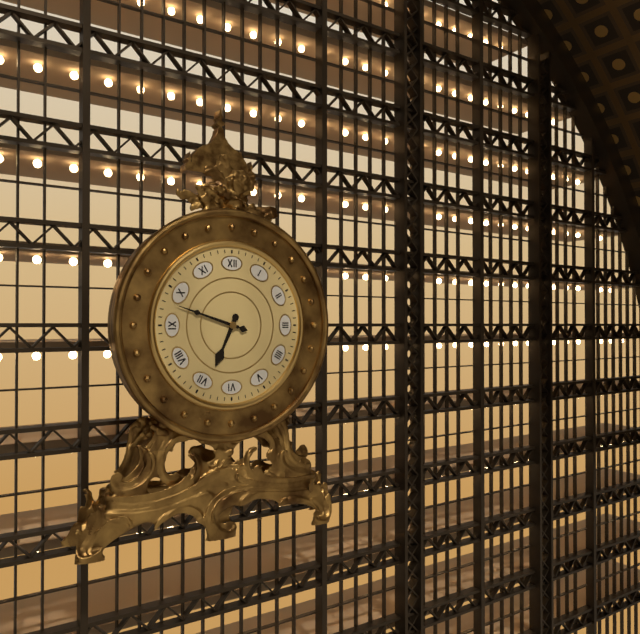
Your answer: **6:48**
